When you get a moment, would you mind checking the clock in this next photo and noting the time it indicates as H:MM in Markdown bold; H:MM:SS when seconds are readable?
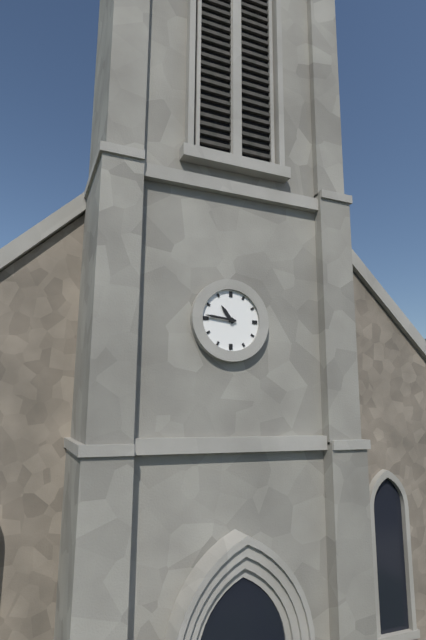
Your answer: **10:46**
